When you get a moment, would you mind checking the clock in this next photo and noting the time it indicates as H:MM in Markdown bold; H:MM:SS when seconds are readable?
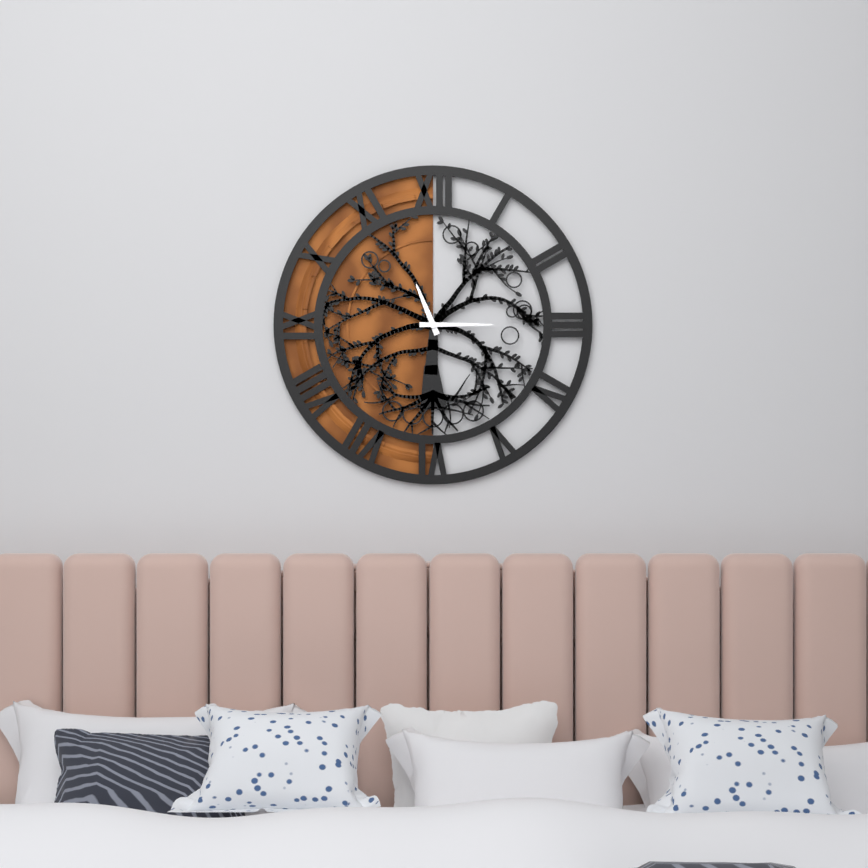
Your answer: **11:15**
